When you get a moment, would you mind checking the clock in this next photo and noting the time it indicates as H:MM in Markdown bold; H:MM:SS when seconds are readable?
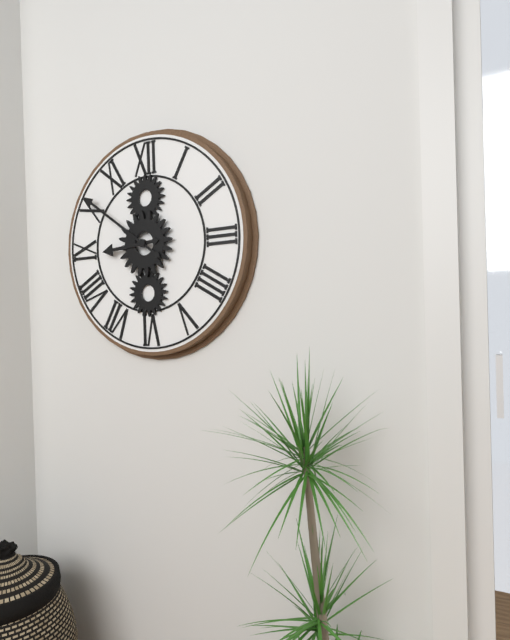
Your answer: **8:51**
